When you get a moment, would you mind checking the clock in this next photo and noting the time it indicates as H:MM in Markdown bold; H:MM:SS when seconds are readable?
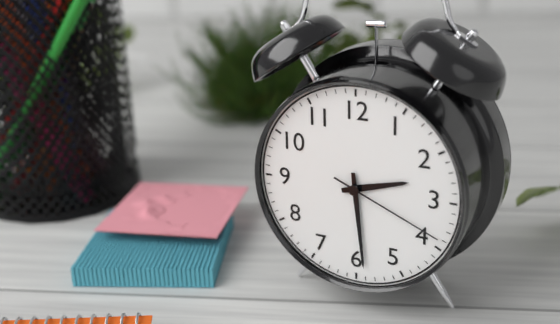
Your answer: **2:29:19**
